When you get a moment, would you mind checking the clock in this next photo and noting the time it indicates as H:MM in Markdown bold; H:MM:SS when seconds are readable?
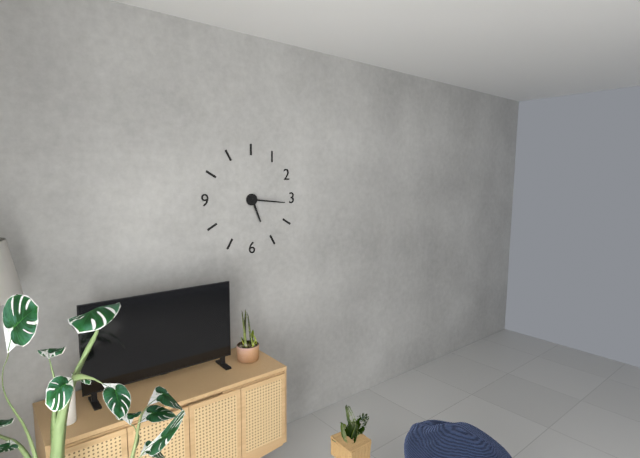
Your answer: **5:16**
